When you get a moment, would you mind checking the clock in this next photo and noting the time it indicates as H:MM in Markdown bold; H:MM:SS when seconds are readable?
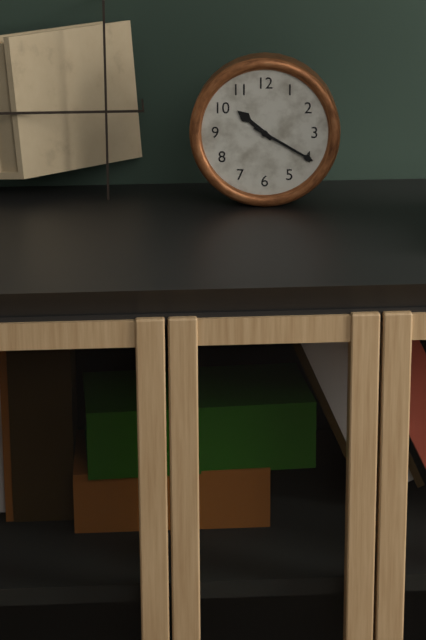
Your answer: **10:20**
